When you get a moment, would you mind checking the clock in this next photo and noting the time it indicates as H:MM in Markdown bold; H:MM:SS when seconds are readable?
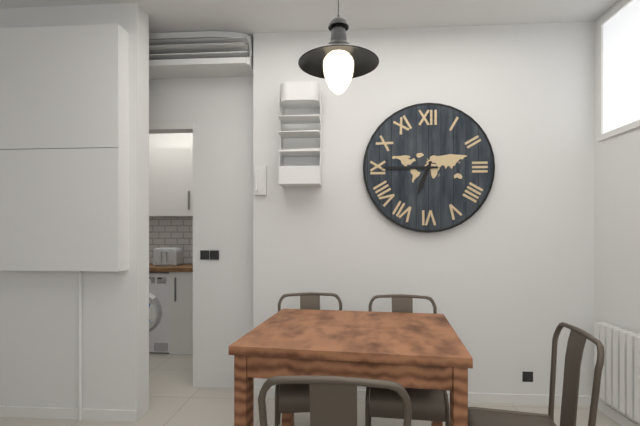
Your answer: **6:45**
